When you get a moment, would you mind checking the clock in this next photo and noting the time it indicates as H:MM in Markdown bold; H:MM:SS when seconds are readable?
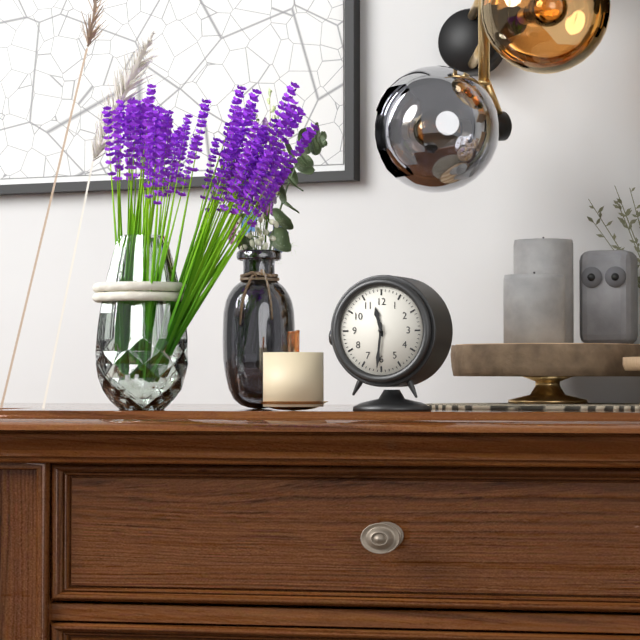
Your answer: **11:31**
